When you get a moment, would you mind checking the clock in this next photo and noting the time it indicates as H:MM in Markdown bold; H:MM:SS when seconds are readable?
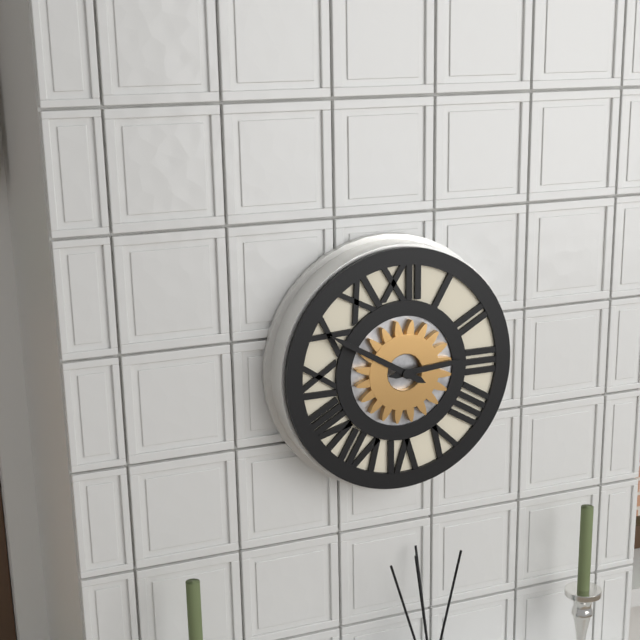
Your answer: **2:50**
